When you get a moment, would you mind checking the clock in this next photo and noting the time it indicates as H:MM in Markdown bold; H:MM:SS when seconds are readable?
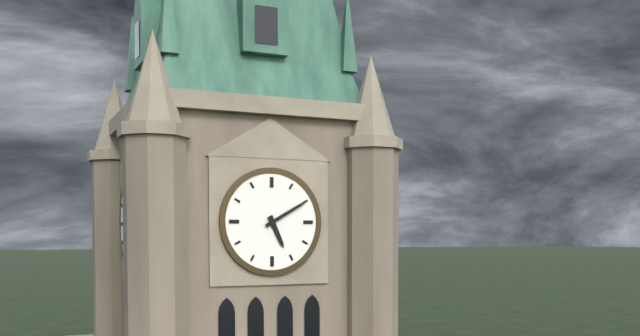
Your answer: **5:10**
